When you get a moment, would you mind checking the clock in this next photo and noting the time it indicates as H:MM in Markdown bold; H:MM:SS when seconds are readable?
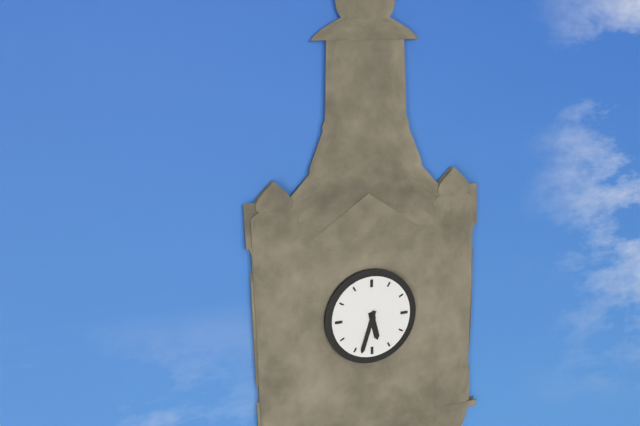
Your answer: **5:33**
